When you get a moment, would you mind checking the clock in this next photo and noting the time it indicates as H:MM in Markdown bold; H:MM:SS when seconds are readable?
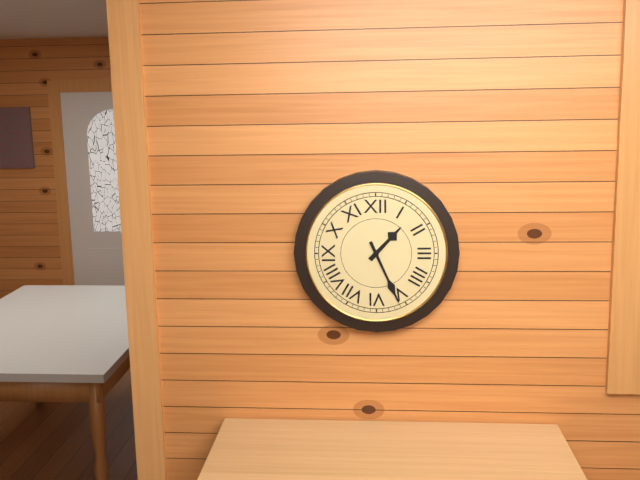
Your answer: **1:26**
